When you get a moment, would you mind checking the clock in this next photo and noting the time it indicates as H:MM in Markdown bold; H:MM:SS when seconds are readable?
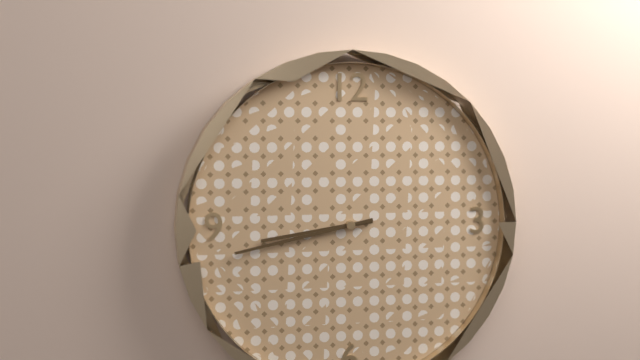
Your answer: **8:43**
